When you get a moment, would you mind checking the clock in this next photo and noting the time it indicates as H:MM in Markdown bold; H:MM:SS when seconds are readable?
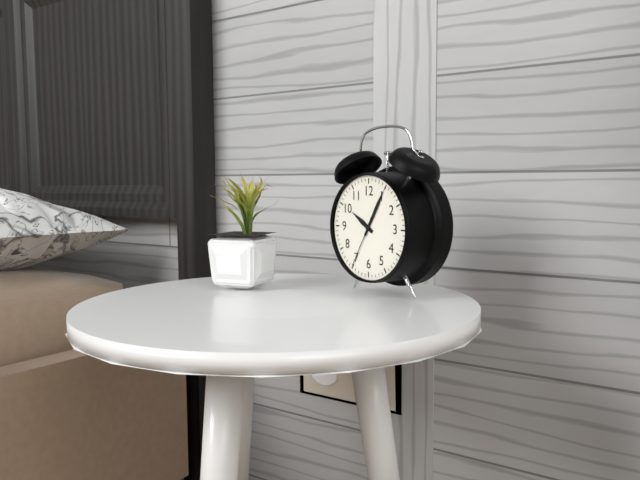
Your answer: **10:05:35**
